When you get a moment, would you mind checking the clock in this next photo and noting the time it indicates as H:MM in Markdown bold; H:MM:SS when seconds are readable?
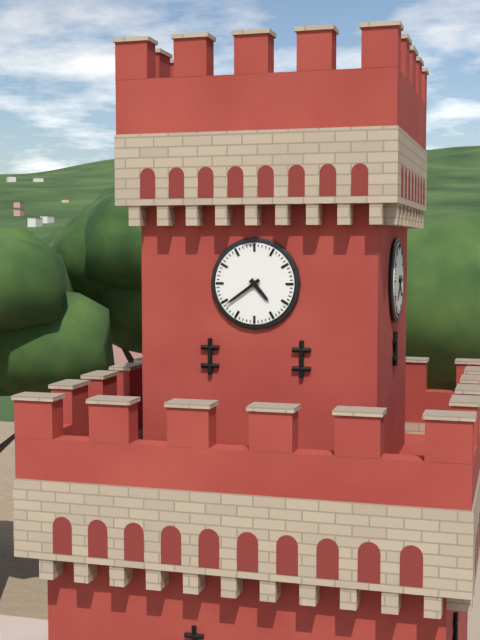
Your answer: **4:39**
